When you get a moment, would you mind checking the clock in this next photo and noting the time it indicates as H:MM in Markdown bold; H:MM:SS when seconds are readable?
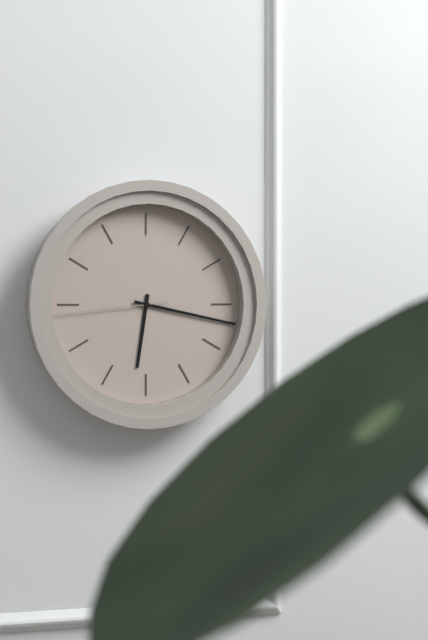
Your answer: **6:17:44**
